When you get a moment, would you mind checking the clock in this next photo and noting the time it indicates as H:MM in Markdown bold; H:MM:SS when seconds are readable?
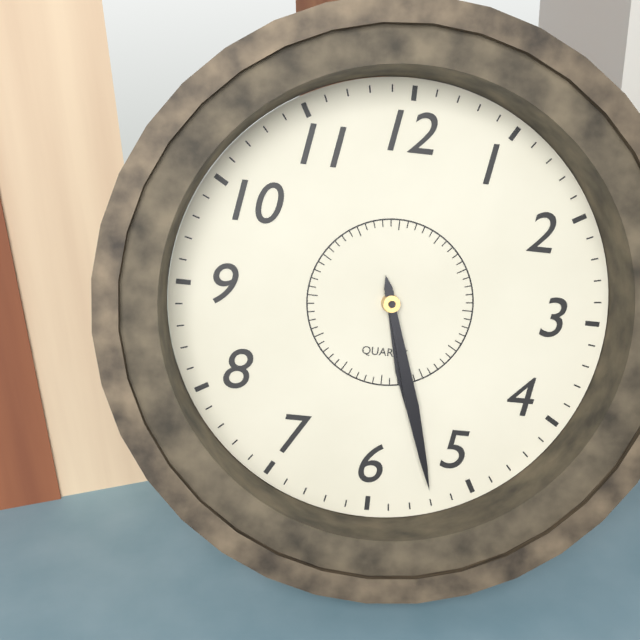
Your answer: **5:27**
